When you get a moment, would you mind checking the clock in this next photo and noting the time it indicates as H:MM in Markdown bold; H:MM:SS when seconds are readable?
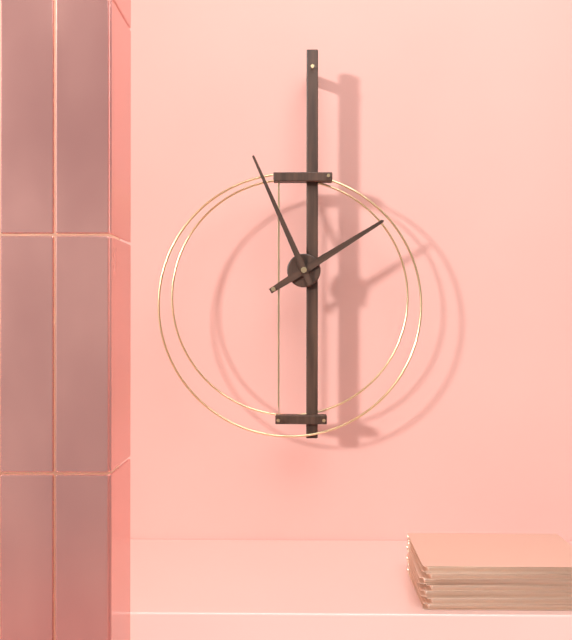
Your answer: **1:56**
